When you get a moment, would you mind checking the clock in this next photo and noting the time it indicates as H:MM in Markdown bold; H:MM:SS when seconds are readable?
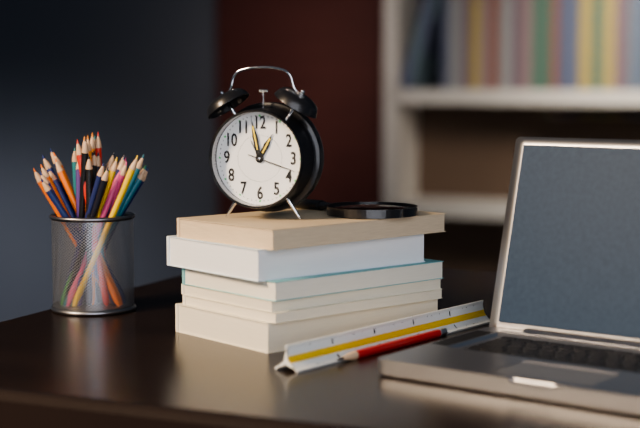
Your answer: **12:58**
